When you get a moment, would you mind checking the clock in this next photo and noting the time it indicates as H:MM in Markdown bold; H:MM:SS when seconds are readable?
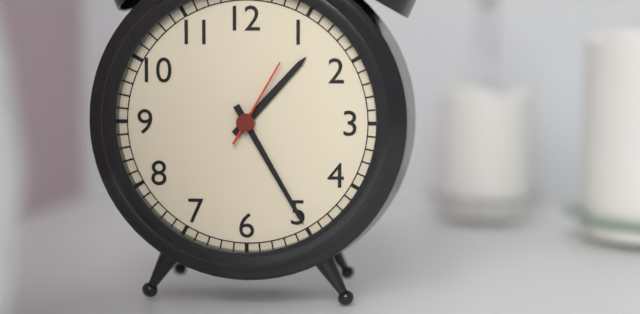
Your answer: **1:25:05**
